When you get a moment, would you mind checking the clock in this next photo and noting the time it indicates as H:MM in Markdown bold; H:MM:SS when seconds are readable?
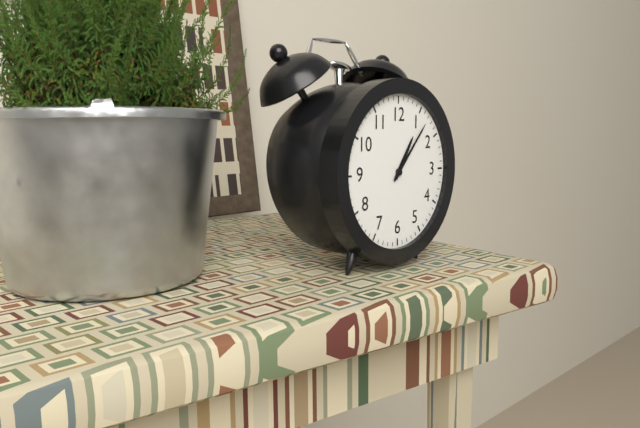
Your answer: **1:07**
